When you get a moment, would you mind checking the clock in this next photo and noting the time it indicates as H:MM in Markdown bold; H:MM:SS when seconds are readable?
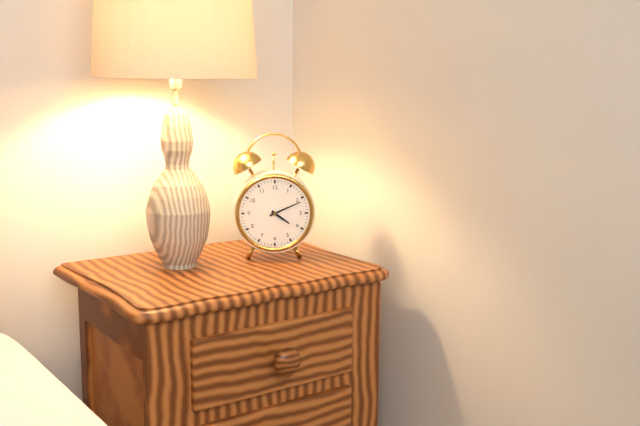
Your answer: **4:11**
